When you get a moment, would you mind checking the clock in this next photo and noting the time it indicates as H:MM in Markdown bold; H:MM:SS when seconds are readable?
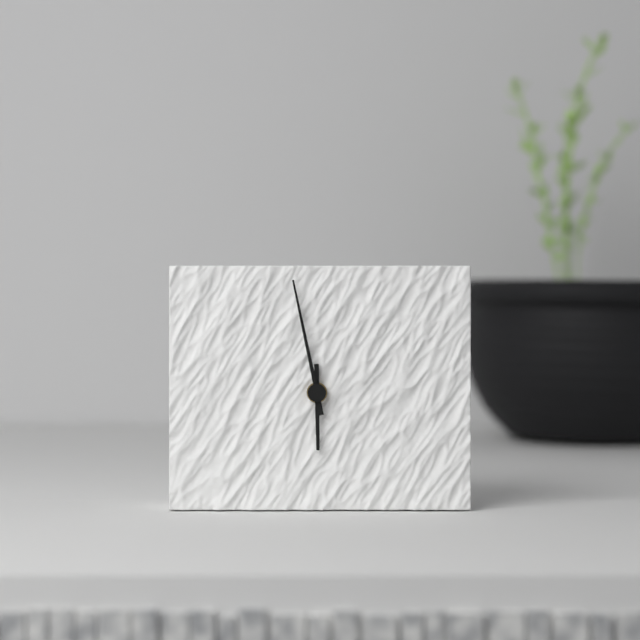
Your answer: **5:58**
